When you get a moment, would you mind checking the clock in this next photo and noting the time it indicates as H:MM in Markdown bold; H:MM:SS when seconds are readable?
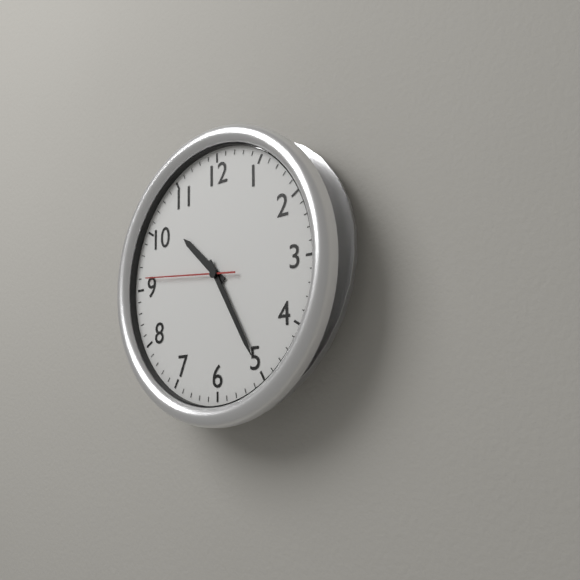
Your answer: **10:25:46**
